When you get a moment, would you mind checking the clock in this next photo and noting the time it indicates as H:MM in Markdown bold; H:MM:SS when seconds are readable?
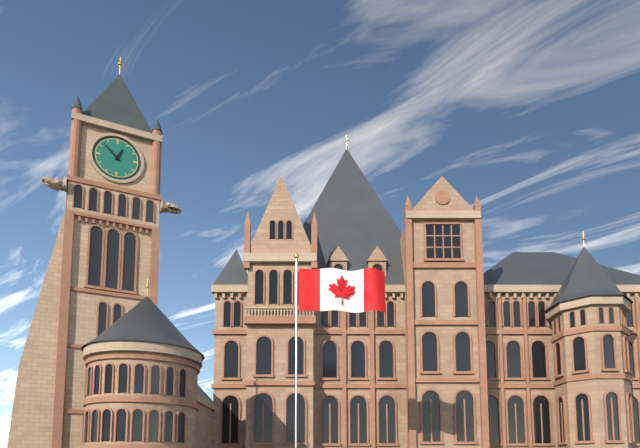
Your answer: **12:52**
